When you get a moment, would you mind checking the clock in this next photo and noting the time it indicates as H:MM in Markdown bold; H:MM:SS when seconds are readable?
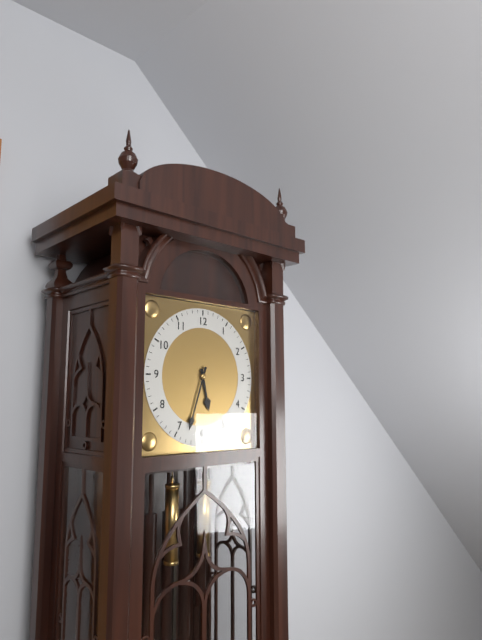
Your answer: **5:33**
